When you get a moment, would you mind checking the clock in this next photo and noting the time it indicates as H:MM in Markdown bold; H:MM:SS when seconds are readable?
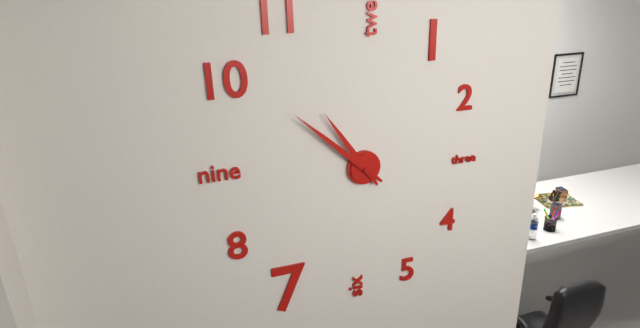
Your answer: **10:52**
